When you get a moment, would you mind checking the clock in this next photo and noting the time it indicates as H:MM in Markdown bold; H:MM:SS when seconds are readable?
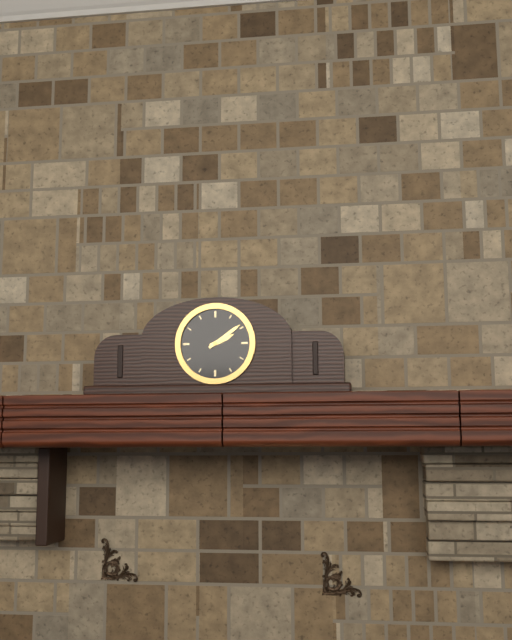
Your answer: **2:09**
